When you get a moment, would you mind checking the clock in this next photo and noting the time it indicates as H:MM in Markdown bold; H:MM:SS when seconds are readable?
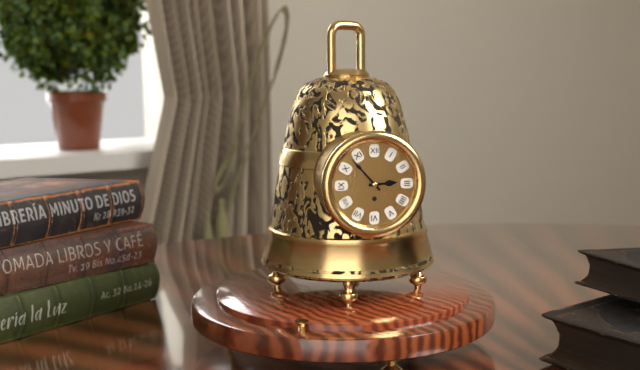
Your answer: **2:53**
